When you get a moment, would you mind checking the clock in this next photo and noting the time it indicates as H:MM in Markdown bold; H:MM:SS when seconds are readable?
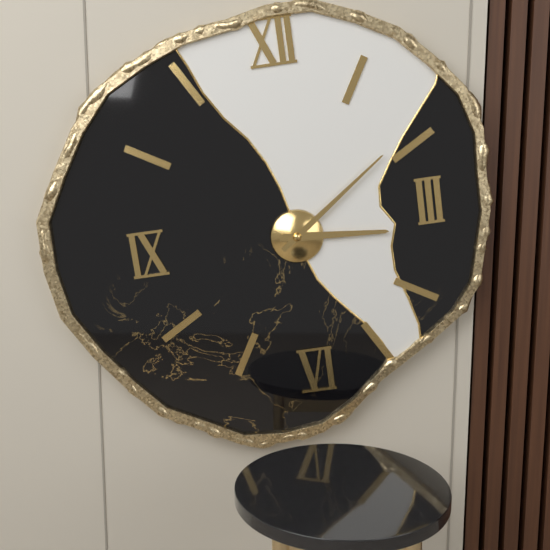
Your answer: **3:09**
